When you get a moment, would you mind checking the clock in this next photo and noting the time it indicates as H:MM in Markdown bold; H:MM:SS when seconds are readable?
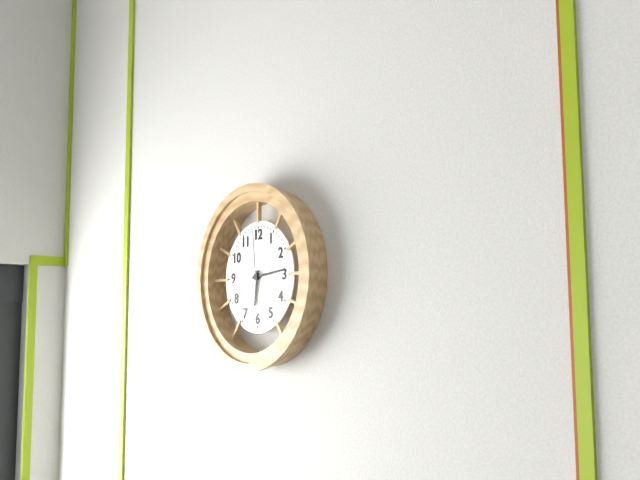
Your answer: **6:14:59**
